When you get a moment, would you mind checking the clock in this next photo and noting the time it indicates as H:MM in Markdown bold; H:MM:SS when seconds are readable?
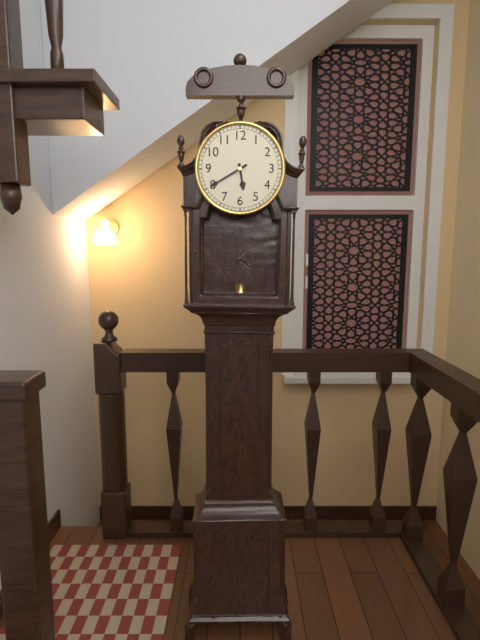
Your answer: **5:40**
